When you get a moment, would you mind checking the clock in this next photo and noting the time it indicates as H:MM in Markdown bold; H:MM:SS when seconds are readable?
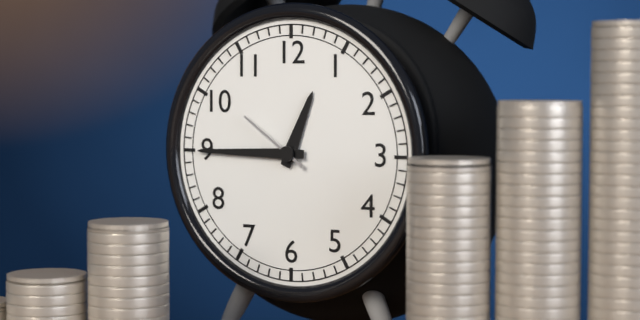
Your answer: **12:45:51**
